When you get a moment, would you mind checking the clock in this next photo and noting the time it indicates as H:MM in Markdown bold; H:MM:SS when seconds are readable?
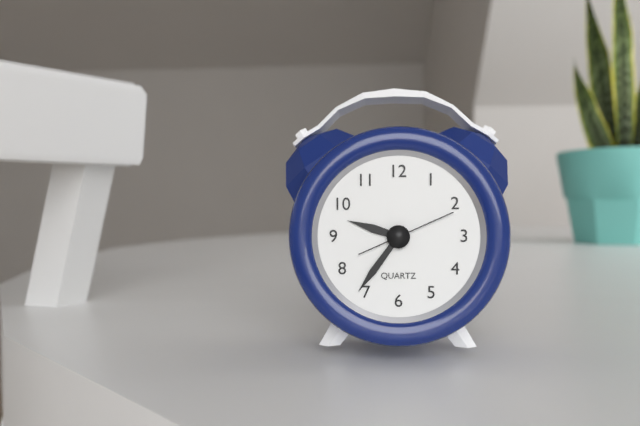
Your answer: **9:36:11**
